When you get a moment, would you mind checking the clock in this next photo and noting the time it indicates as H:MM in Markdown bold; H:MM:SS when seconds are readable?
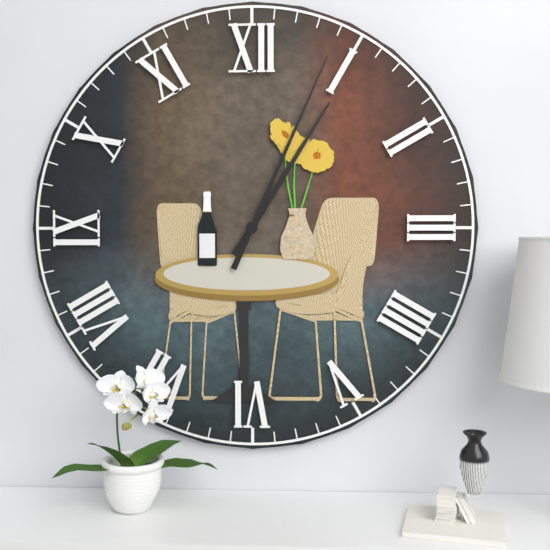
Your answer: **1:04**
